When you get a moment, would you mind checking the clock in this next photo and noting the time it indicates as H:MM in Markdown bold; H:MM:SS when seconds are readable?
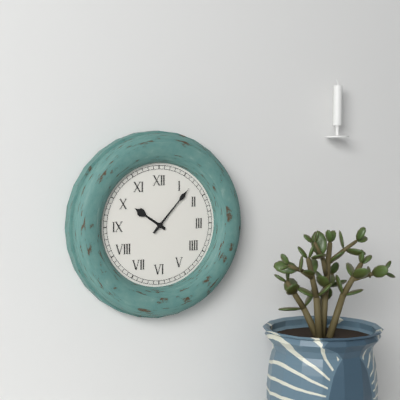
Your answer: **10:07**
